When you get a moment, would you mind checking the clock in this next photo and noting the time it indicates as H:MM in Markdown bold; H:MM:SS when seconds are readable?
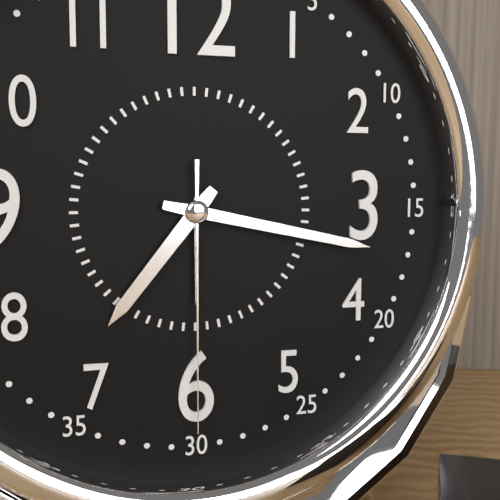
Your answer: **7:17:30**
